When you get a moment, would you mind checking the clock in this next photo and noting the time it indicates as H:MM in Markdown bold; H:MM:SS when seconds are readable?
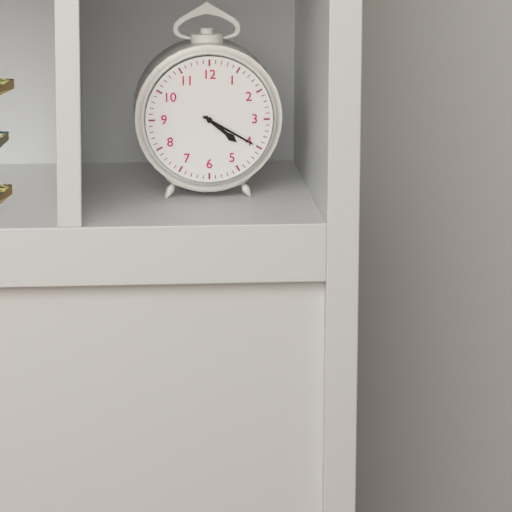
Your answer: **4:20**
